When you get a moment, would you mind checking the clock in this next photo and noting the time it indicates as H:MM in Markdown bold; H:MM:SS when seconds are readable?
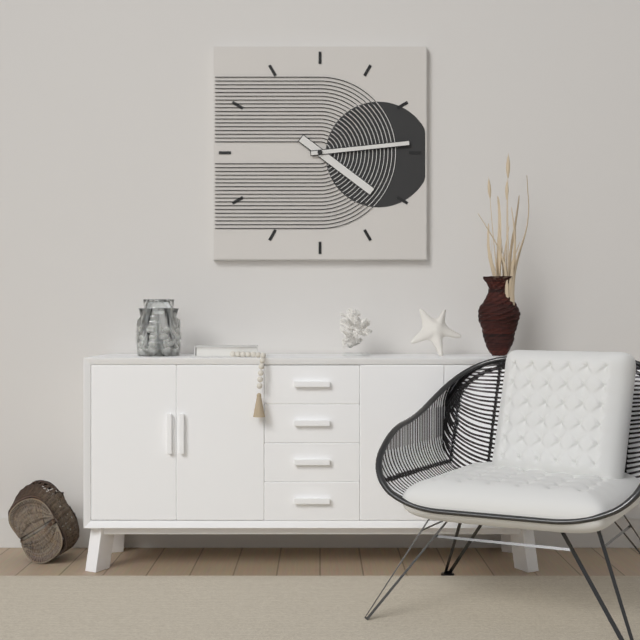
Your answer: **4:14**
